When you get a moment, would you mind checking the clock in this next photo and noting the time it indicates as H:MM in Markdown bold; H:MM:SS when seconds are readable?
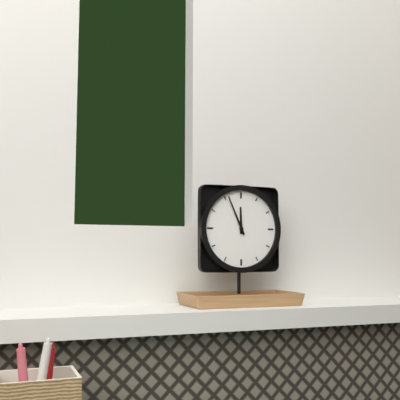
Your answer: **11:56**
